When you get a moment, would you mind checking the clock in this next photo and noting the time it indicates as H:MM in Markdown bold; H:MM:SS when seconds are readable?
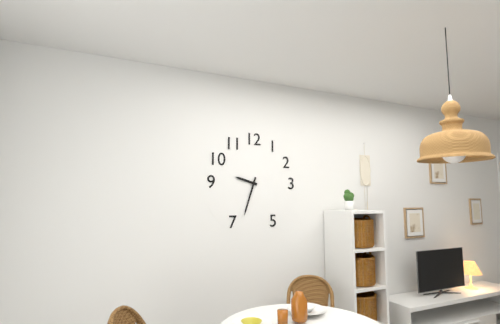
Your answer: **9:33**
